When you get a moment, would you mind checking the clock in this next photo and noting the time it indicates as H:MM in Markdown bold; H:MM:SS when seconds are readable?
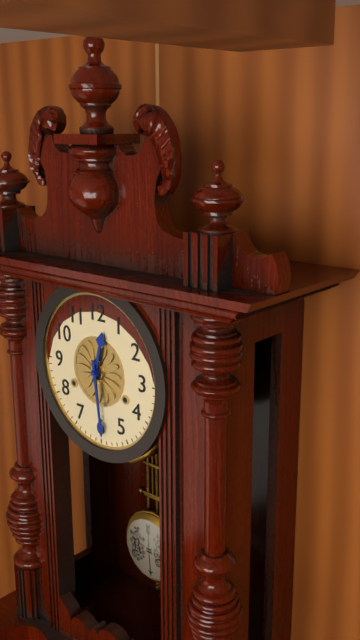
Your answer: **12:29**
